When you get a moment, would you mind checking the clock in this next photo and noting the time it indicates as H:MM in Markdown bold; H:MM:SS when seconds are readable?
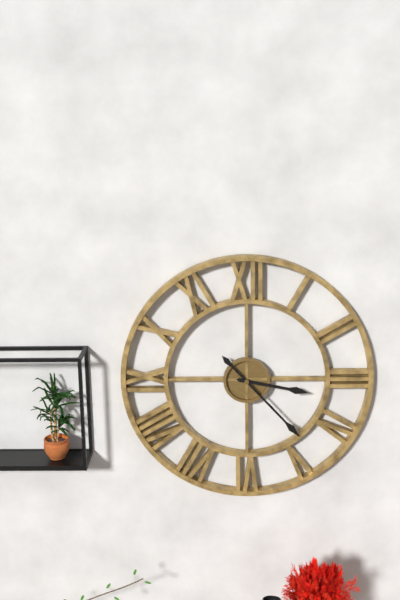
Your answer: **3:23**
